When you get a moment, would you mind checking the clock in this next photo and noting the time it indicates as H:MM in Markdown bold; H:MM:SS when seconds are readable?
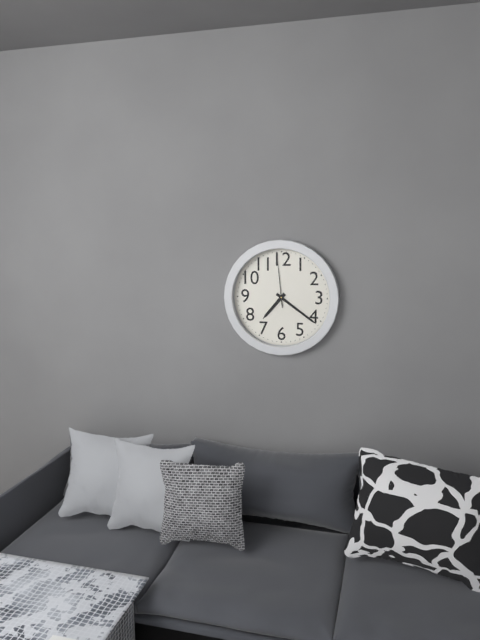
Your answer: **7:21:59**
